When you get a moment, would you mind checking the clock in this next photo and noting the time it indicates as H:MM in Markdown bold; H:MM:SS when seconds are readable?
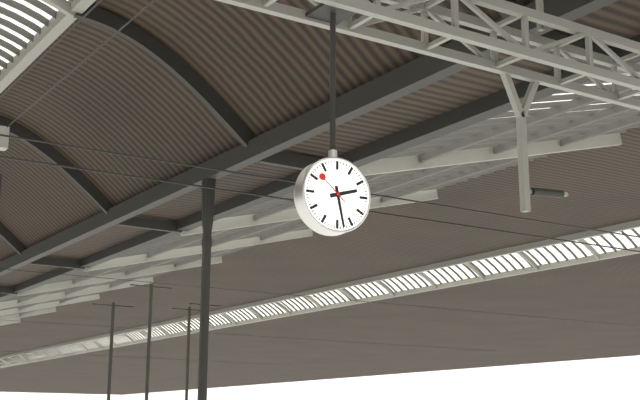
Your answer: **2:28**
